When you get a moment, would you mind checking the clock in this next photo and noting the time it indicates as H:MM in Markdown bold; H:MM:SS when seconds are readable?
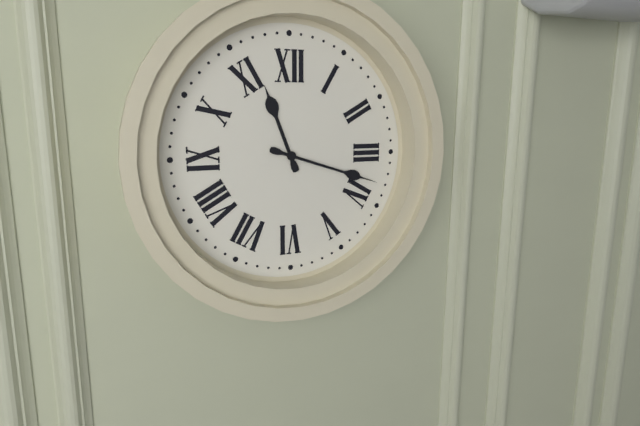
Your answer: **11:18**
